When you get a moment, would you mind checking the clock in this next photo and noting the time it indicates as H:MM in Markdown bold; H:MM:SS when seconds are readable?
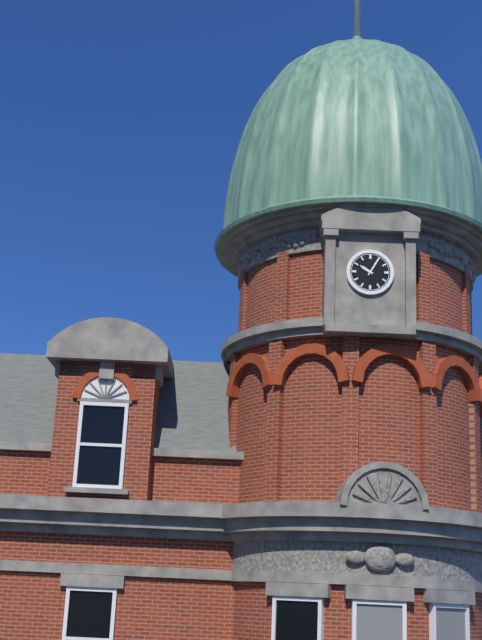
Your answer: **10:05**
